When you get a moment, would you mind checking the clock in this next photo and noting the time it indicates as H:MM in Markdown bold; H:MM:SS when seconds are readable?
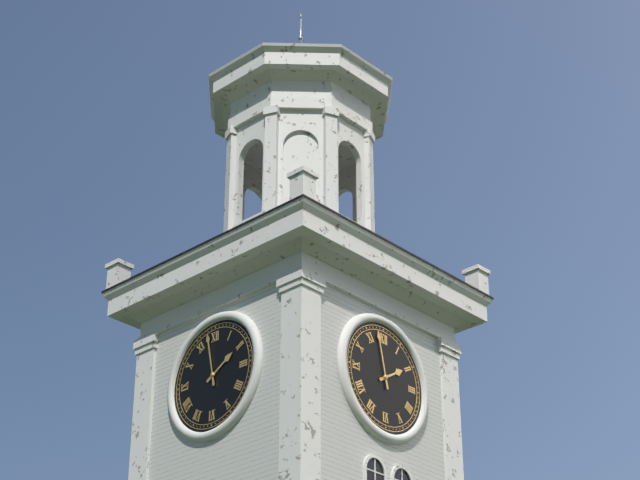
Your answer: **1:58**
